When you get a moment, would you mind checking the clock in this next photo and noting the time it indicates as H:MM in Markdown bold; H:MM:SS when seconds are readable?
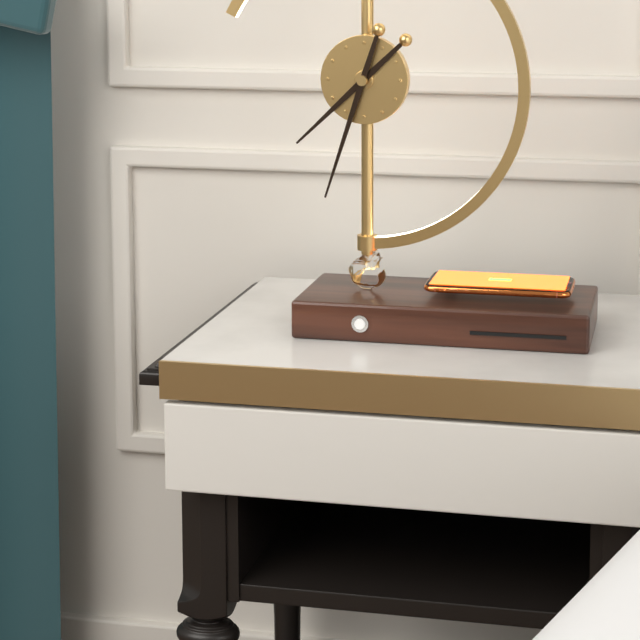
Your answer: **7:33**
